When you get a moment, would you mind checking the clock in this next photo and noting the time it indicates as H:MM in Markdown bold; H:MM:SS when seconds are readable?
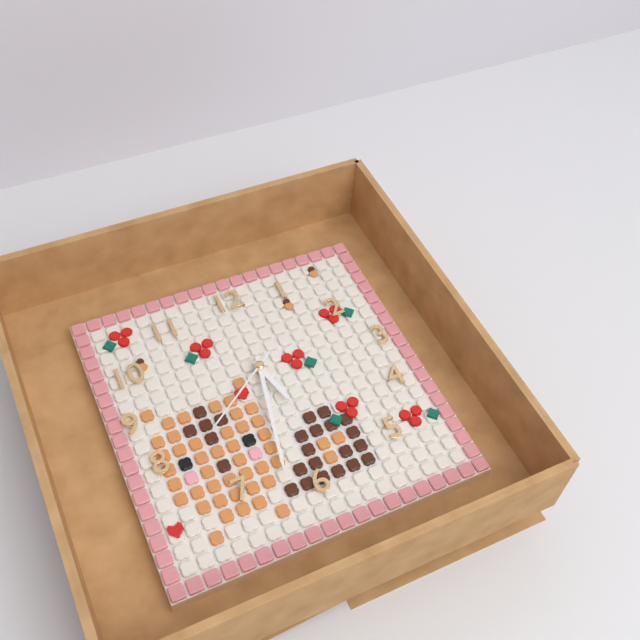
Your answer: **5:32:39**
